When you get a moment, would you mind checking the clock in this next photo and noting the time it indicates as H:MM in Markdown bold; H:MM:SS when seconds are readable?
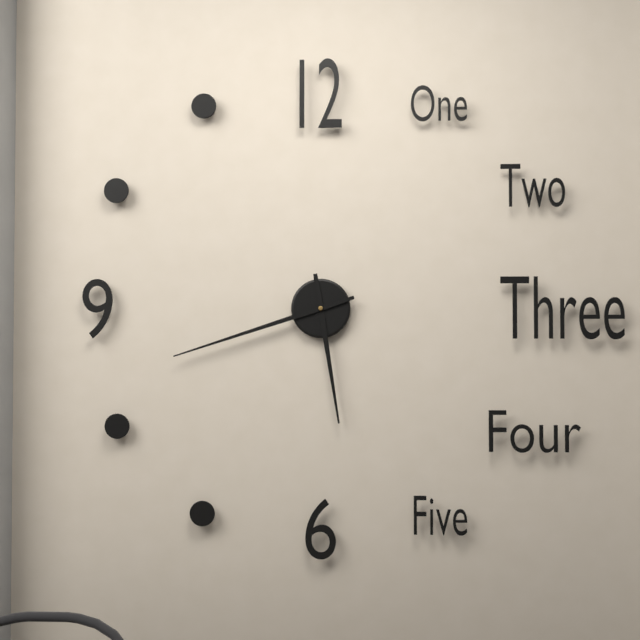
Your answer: **5:42**
